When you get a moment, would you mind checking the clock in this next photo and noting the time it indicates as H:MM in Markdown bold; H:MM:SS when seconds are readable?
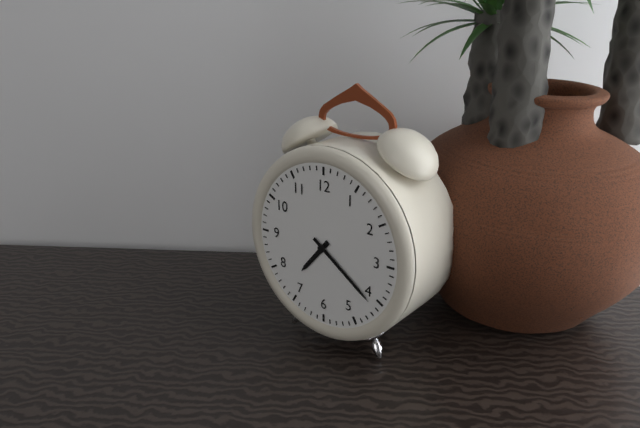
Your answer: **7:21**
